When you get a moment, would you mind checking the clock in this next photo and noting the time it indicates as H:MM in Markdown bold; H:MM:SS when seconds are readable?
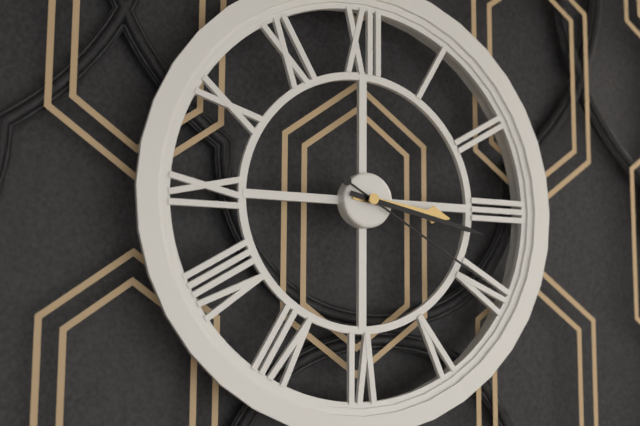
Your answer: **3:17:20**
